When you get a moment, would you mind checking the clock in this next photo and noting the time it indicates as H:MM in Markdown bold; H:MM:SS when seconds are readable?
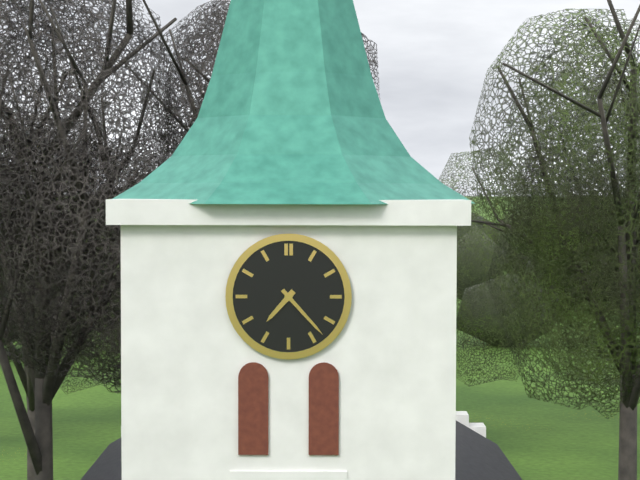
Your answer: **7:23**
